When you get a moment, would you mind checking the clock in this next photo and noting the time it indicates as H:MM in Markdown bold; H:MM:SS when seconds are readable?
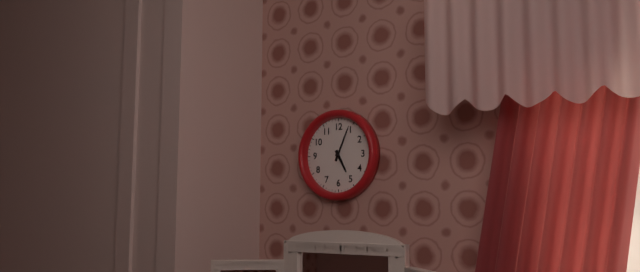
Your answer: **5:04**
